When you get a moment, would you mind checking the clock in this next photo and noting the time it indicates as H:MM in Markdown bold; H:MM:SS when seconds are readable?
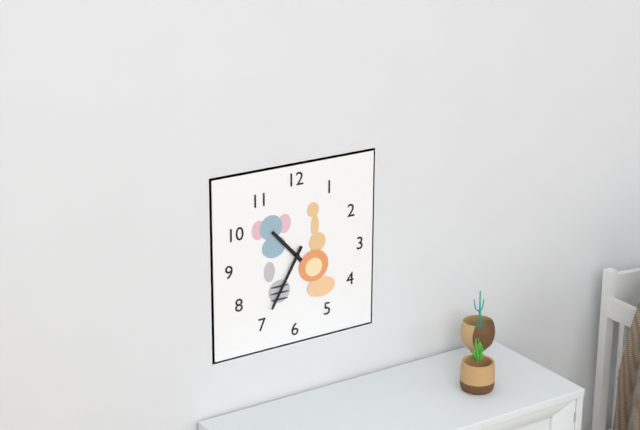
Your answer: **10:35**
